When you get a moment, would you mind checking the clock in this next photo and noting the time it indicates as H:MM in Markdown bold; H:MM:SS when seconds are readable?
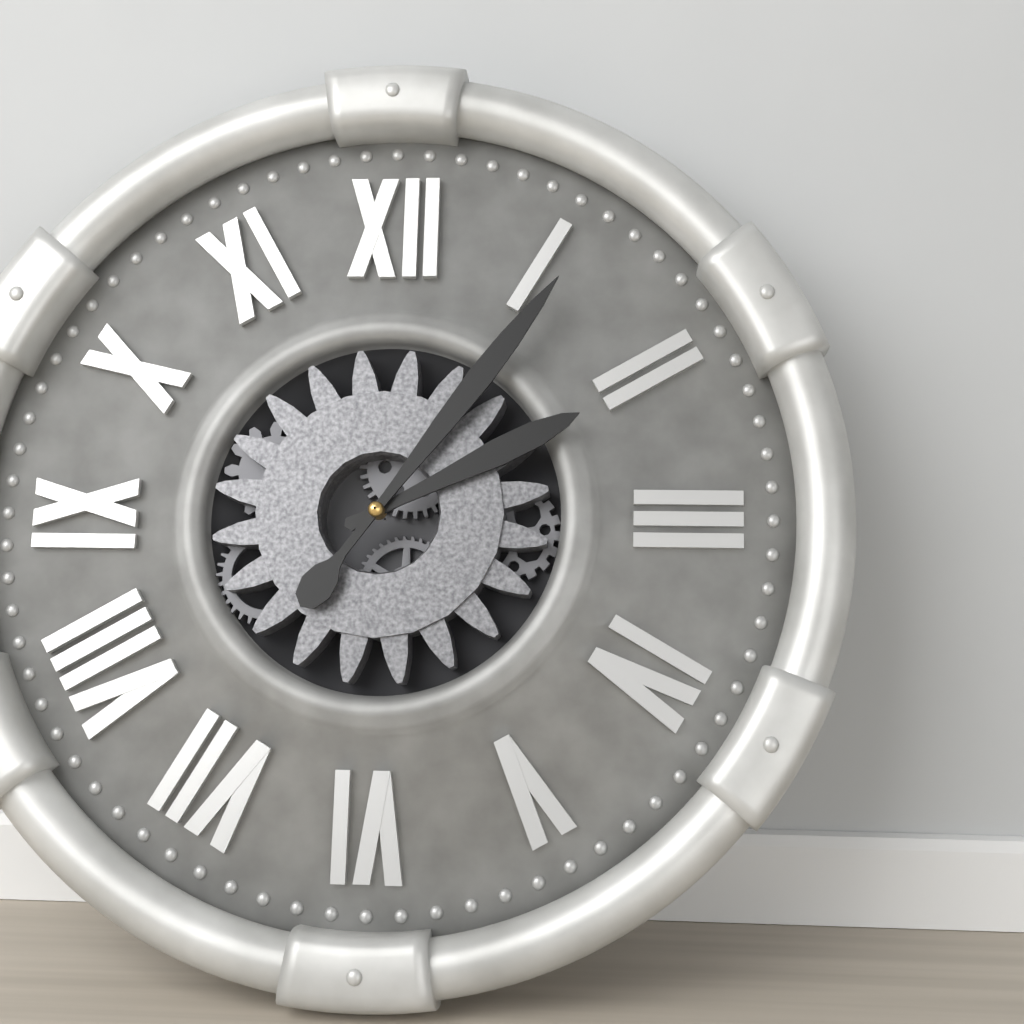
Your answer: **2:06**
